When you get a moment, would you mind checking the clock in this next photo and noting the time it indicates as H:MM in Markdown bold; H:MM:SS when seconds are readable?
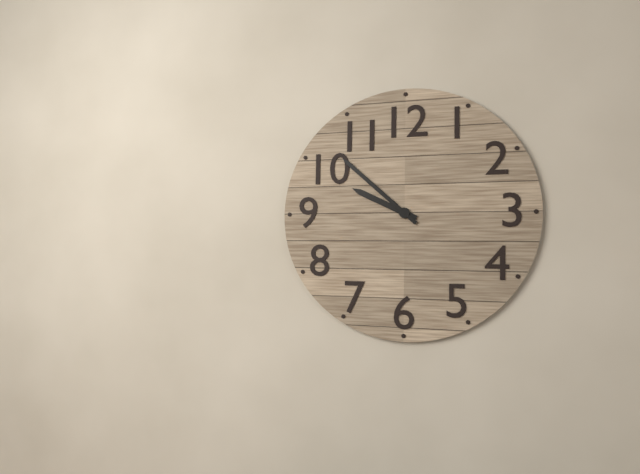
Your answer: **9:52**
